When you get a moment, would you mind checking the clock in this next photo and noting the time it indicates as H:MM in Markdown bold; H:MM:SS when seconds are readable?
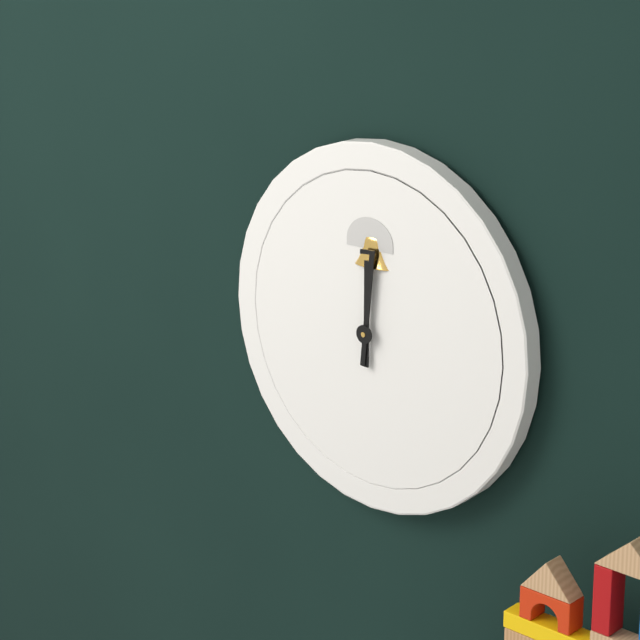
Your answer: **12:01**
